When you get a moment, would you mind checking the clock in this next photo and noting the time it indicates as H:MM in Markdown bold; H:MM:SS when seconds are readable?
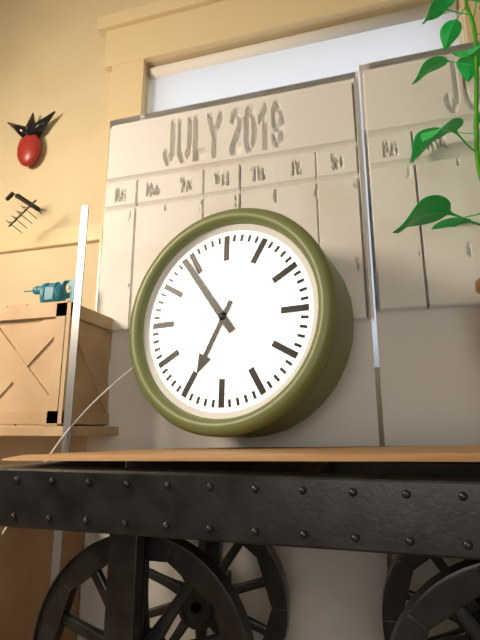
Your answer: **6:54**
